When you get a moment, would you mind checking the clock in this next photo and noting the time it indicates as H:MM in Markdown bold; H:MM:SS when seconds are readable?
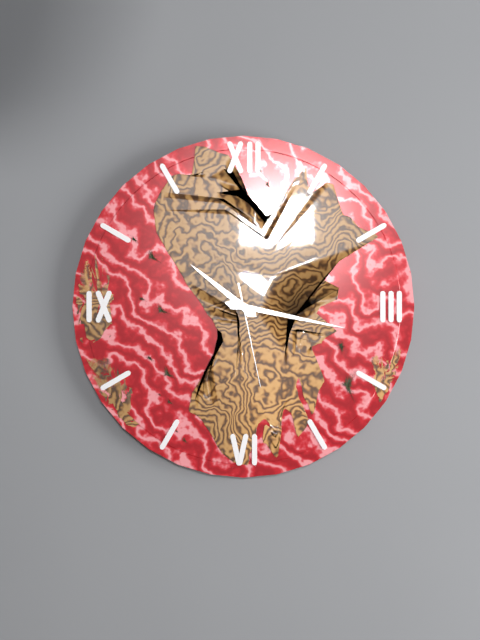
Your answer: **10:17:28**
